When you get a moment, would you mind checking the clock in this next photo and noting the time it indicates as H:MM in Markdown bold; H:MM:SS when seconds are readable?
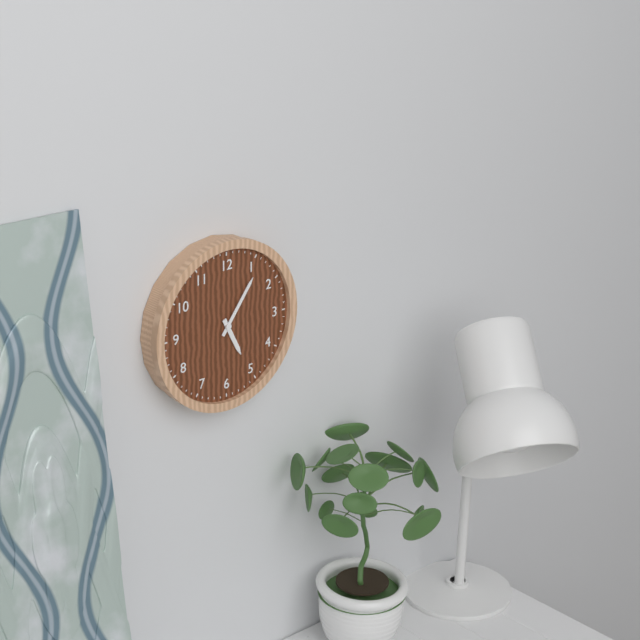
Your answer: **5:06**
